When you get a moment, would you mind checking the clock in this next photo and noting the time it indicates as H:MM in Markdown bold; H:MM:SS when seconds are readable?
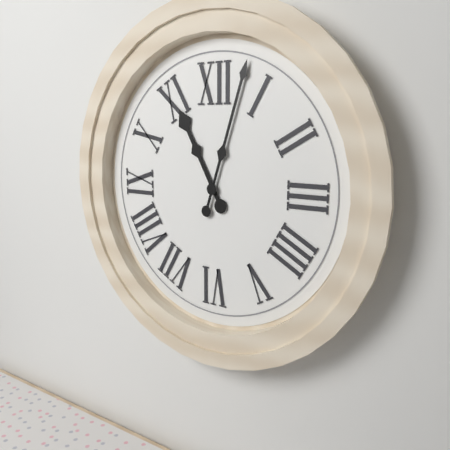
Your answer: **11:03**
